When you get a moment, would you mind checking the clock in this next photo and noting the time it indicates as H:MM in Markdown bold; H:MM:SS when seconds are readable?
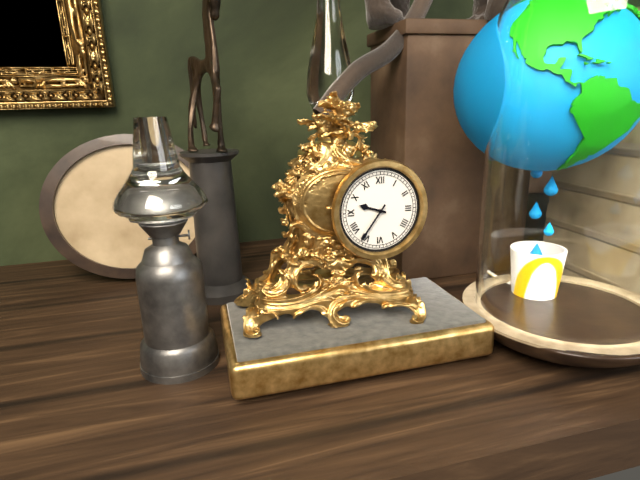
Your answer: **9:36**
